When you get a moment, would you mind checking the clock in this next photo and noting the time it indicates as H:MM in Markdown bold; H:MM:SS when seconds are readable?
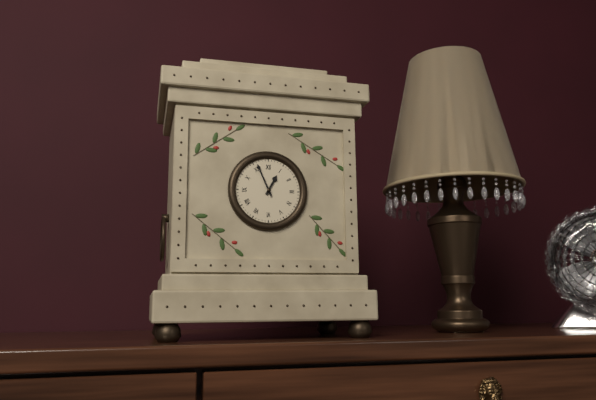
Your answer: **12:56**
